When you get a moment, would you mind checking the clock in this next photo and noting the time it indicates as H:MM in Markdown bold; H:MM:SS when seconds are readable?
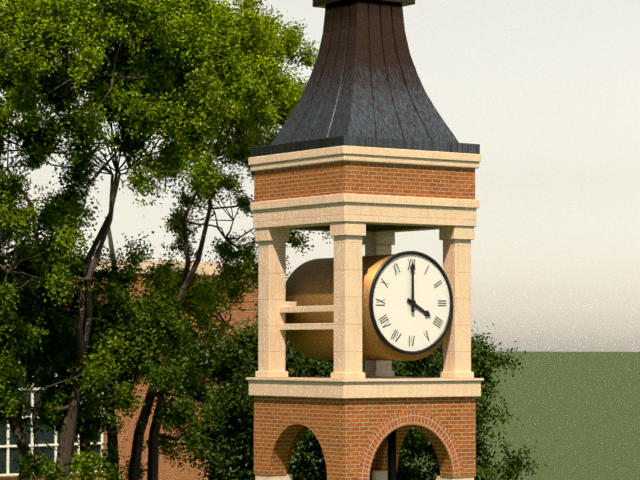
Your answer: **4:00**
